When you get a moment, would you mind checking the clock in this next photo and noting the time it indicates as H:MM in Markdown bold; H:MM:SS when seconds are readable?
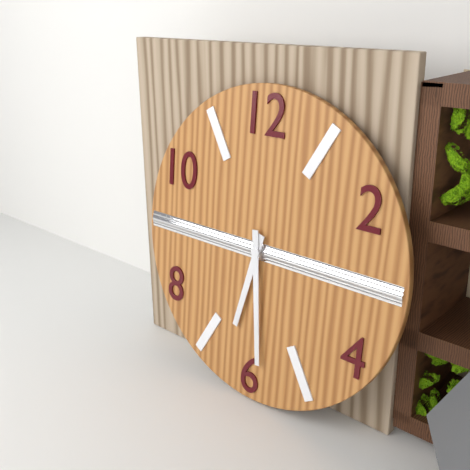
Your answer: **6:29**
